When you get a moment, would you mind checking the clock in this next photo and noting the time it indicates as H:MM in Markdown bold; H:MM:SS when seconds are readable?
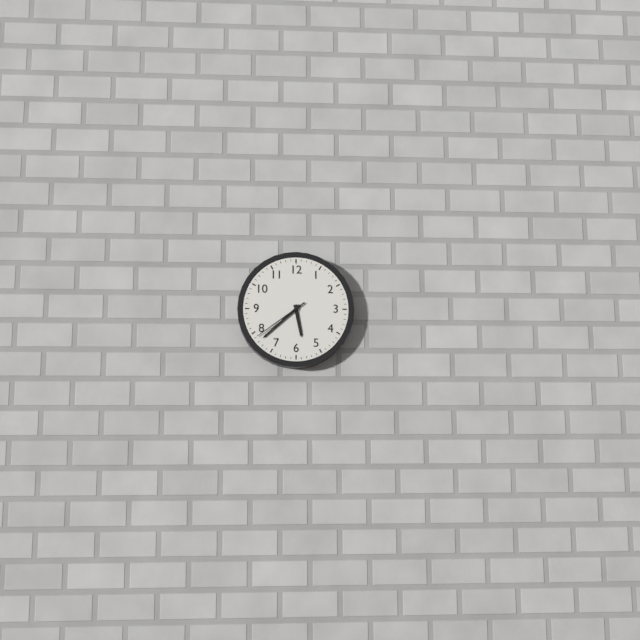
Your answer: **5:38:39**
